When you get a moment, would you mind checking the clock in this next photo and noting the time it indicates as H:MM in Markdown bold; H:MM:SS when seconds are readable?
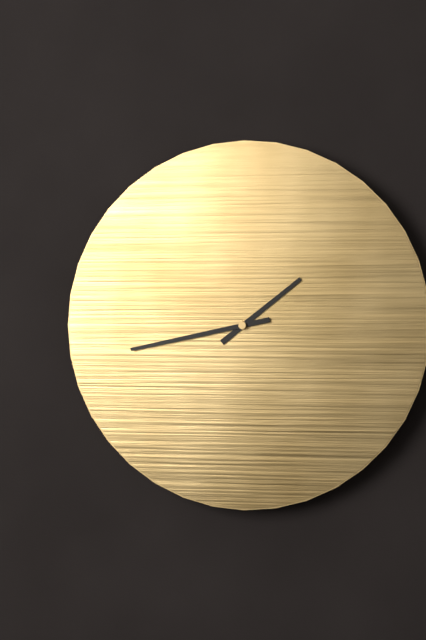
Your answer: **1:43**
